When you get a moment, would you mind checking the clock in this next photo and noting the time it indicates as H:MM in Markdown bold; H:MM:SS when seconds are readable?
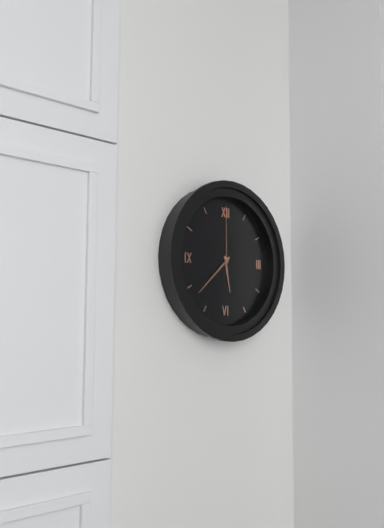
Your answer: **5:38:00**
